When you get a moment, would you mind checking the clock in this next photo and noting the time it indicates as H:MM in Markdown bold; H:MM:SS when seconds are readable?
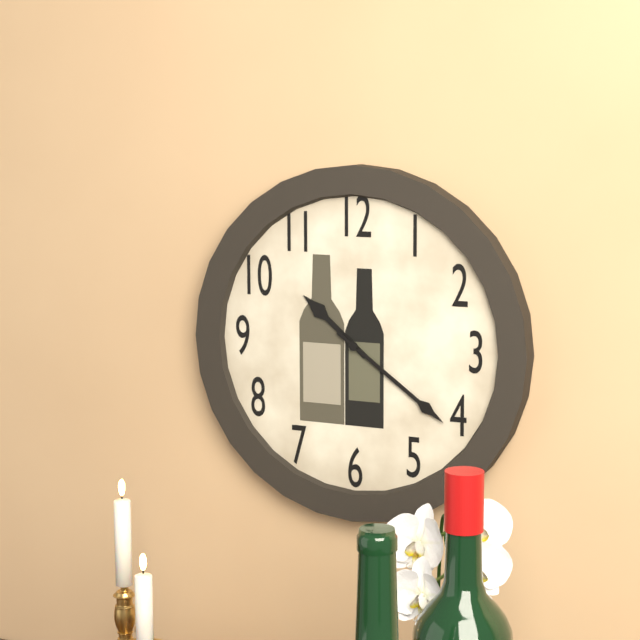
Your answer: **10:21**
